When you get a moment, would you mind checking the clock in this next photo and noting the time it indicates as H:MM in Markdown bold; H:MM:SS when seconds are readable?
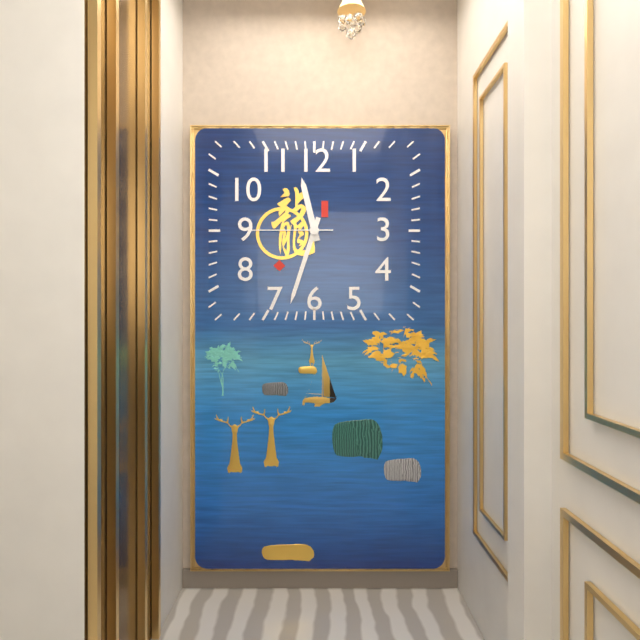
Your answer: **11:33:45**
